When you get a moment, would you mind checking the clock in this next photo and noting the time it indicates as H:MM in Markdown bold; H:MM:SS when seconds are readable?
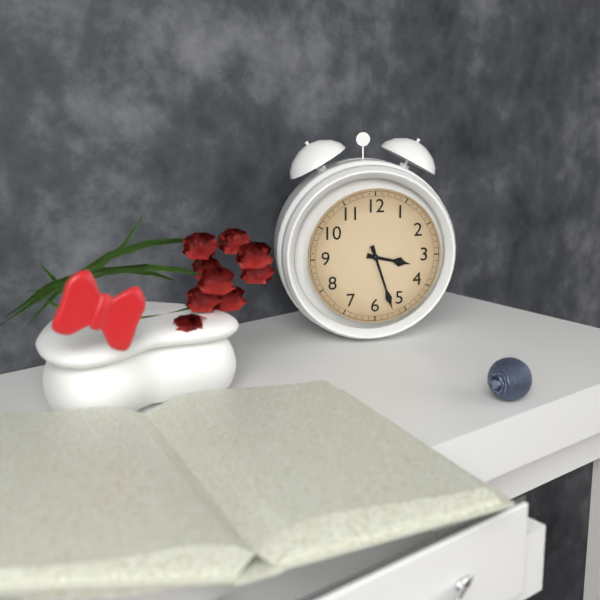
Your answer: **3:27**
